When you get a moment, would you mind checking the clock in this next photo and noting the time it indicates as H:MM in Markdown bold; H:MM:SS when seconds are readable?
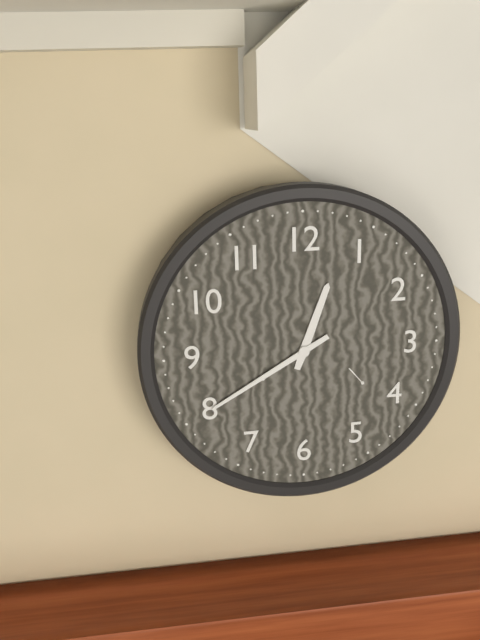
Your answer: **12:40**
